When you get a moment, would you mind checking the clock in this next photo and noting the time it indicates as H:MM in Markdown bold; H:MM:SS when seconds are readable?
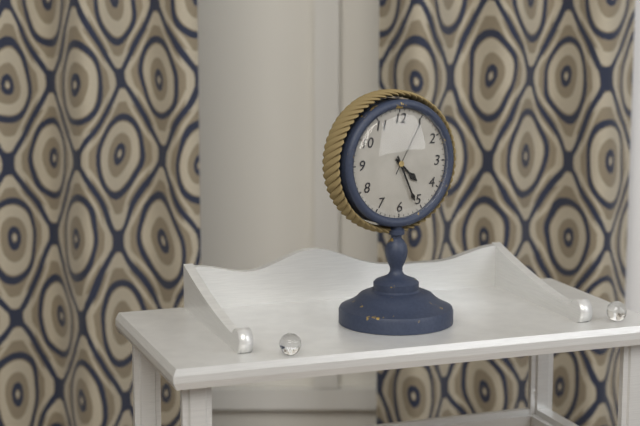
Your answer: **4:26:05**
